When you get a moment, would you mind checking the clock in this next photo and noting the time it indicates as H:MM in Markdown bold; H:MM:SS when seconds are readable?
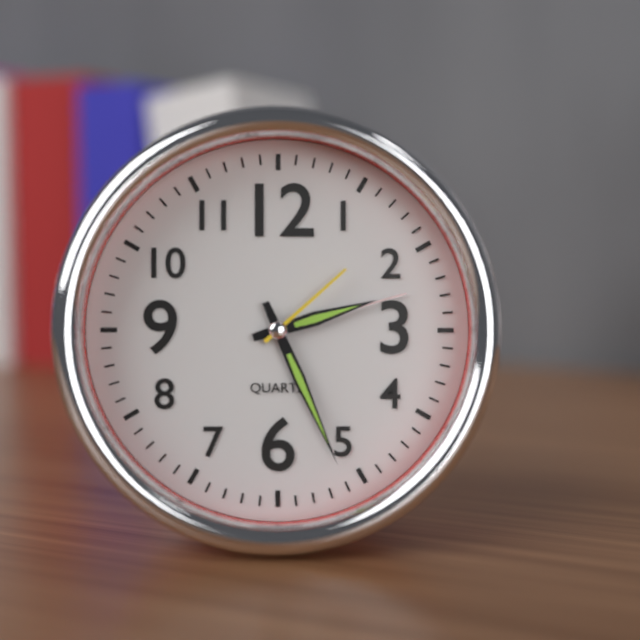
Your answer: **2:26:08**
